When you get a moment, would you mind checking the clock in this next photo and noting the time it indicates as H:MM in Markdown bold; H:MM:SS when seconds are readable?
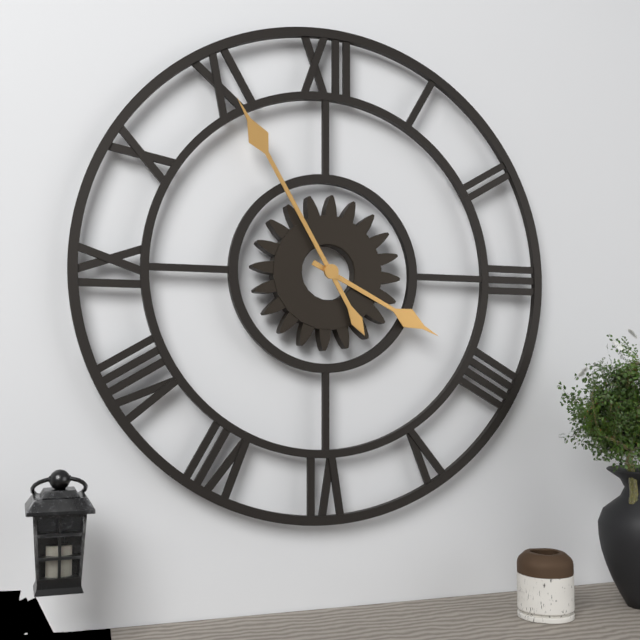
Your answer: **3:55**
